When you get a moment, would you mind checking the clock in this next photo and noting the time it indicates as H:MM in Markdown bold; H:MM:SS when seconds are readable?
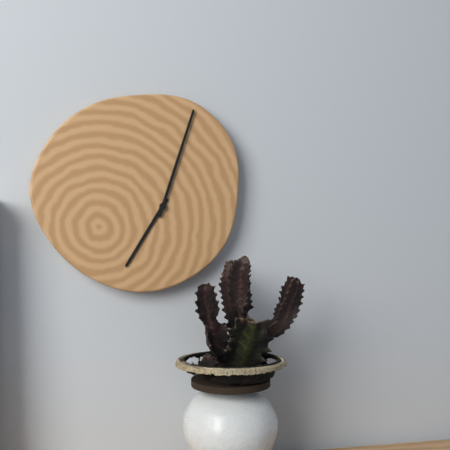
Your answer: **7:03**
